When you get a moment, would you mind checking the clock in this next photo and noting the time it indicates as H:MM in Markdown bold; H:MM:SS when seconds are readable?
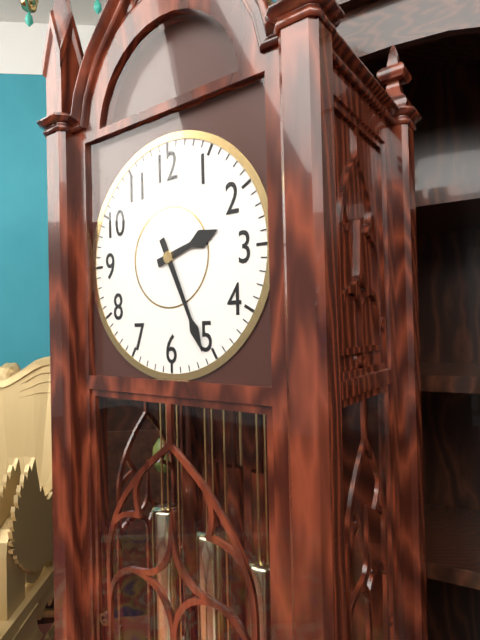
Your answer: **2:26**
